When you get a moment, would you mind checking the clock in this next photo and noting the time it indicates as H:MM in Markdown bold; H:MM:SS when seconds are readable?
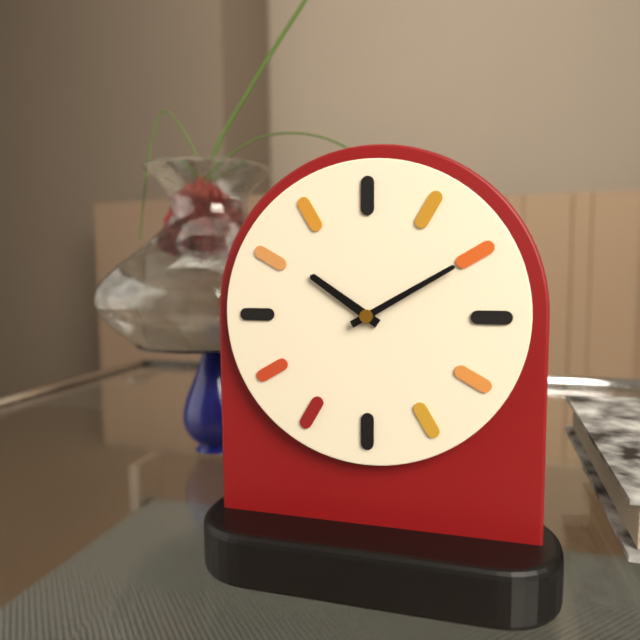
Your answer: **10:10**
